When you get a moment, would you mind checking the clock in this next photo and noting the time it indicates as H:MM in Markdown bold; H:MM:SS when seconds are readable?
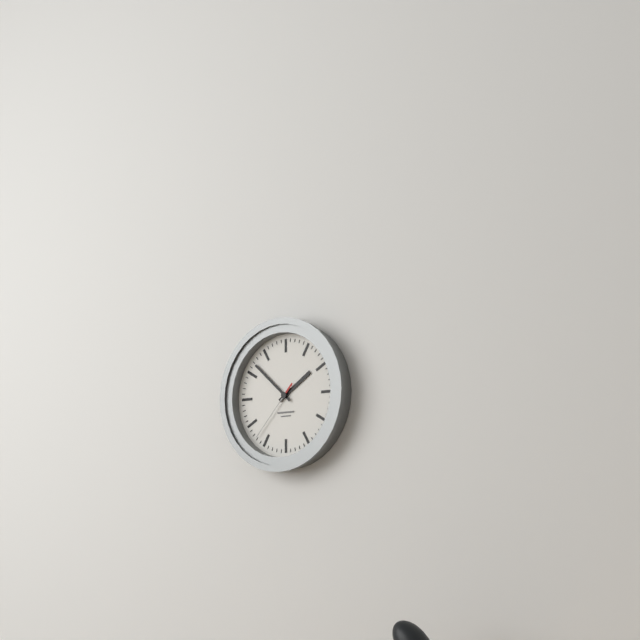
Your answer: **1:52:37**
